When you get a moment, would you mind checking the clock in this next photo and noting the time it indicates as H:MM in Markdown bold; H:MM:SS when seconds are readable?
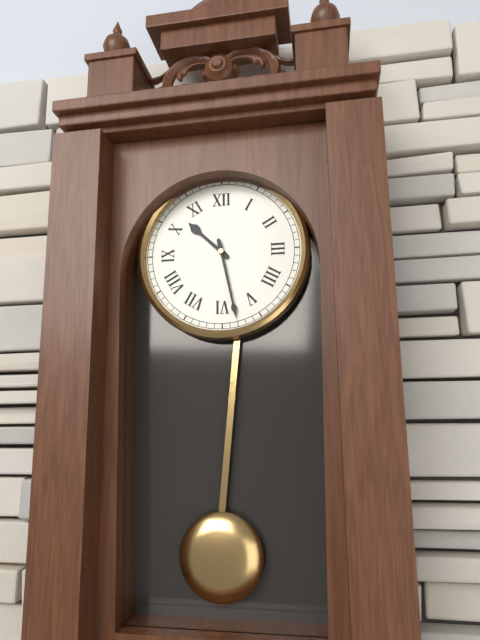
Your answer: **10:28**
